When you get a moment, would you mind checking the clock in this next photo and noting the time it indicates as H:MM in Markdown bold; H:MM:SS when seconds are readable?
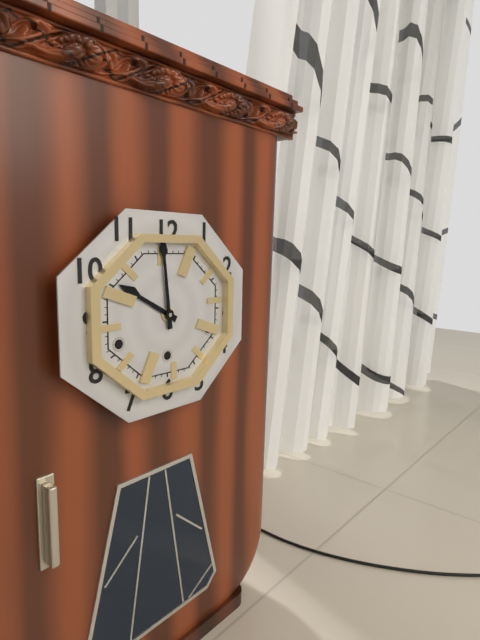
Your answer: **9:59**
